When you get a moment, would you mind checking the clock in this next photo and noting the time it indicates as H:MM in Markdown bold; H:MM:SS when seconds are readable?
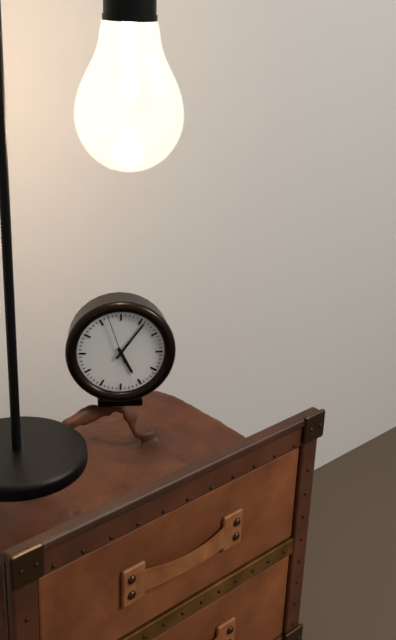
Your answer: **5:06**
